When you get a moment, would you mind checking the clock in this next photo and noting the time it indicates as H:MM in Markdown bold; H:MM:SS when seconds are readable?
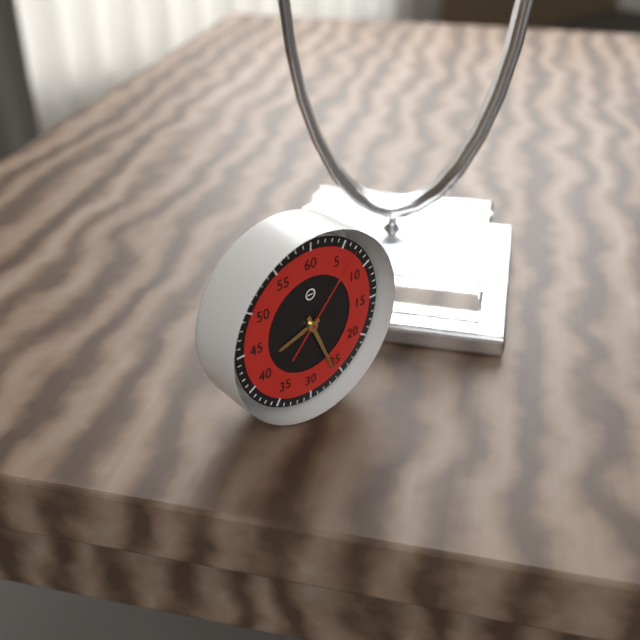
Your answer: **8:26:07**
